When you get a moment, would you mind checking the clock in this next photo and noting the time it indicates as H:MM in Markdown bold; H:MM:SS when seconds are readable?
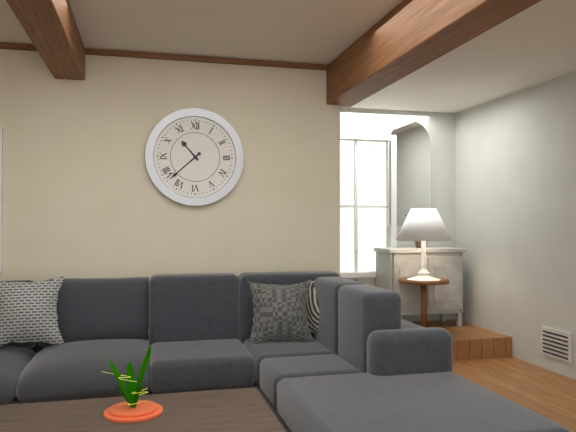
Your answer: **10:38**
